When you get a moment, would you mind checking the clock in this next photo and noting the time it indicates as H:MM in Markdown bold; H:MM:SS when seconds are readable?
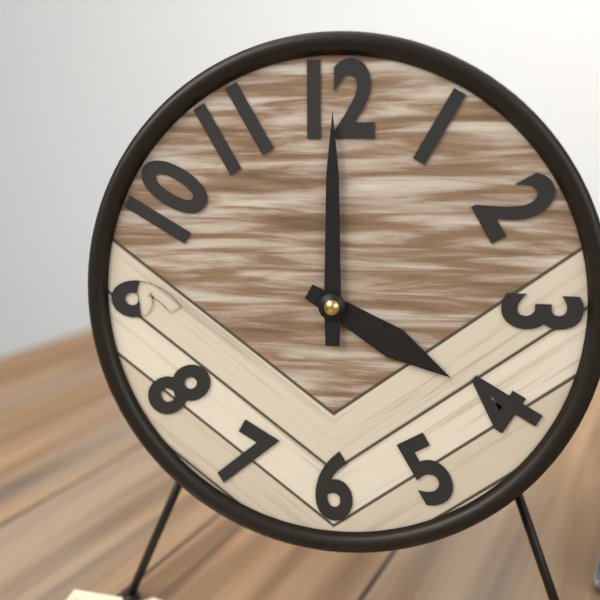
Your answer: **4:00**
